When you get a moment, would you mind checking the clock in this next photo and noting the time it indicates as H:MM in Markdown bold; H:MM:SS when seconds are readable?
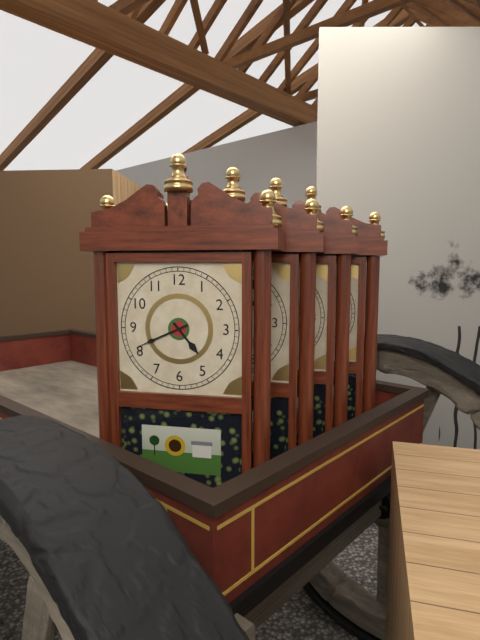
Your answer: **4:41**
